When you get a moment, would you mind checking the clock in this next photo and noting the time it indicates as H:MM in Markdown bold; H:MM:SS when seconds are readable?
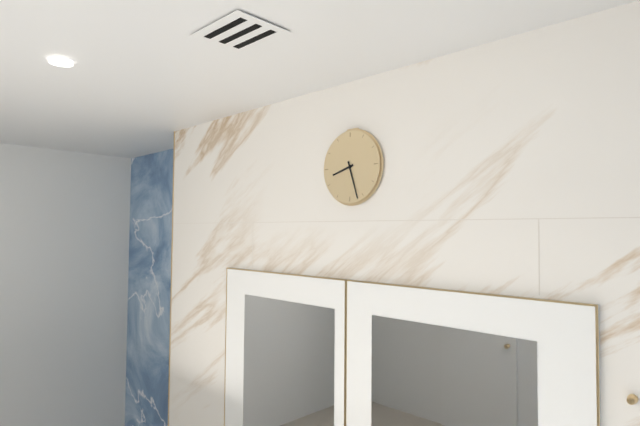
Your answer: **8:27**
